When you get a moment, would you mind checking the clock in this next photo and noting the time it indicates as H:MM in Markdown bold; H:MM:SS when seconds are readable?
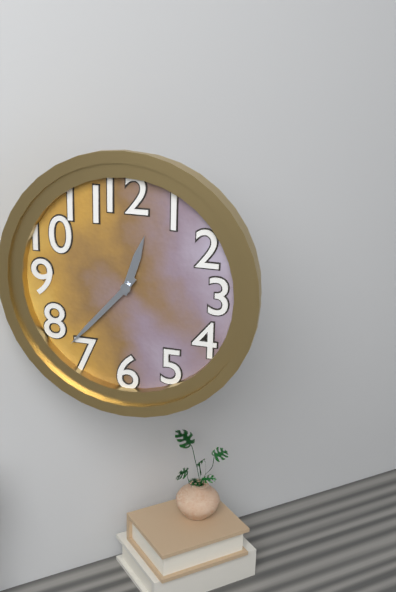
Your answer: **12:37**
